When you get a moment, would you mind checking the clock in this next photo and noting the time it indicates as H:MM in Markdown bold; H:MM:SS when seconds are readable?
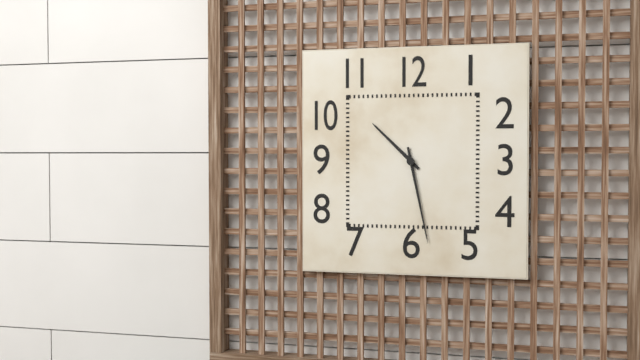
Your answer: **10:28**
